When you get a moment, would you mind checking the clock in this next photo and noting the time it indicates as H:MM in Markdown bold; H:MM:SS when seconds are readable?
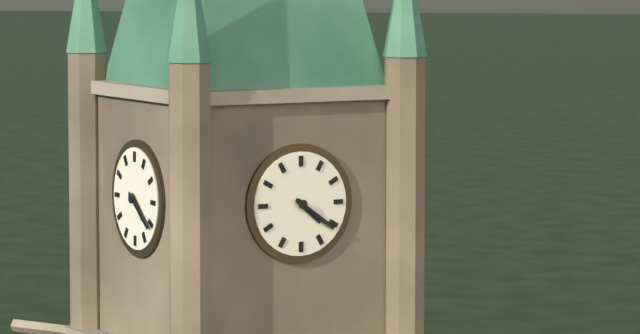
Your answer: **4:21**
